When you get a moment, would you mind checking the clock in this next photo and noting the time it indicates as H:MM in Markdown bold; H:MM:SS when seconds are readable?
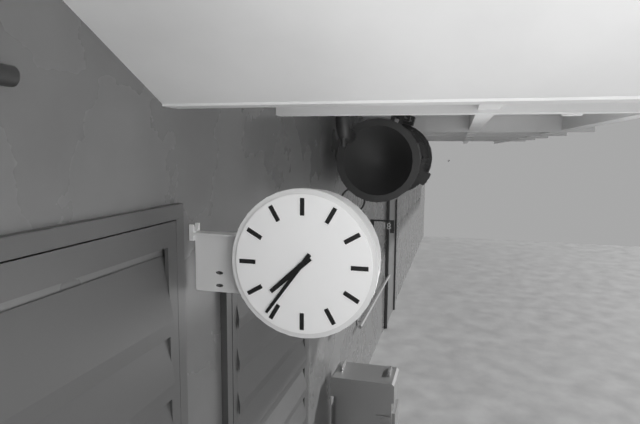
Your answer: **7:36**
